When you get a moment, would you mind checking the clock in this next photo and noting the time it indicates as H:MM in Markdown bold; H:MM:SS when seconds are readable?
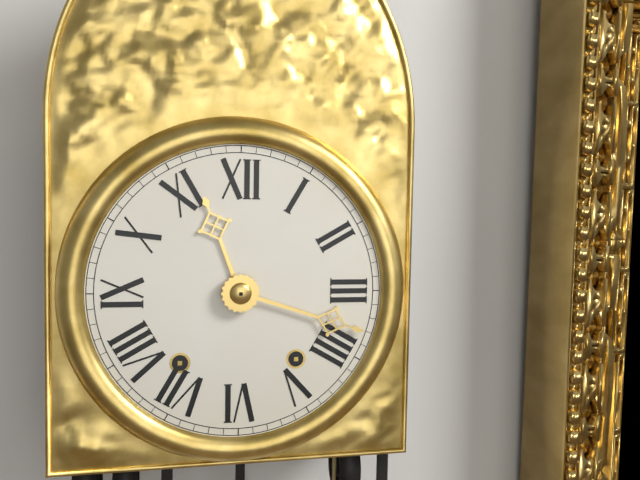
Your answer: **11:18**
